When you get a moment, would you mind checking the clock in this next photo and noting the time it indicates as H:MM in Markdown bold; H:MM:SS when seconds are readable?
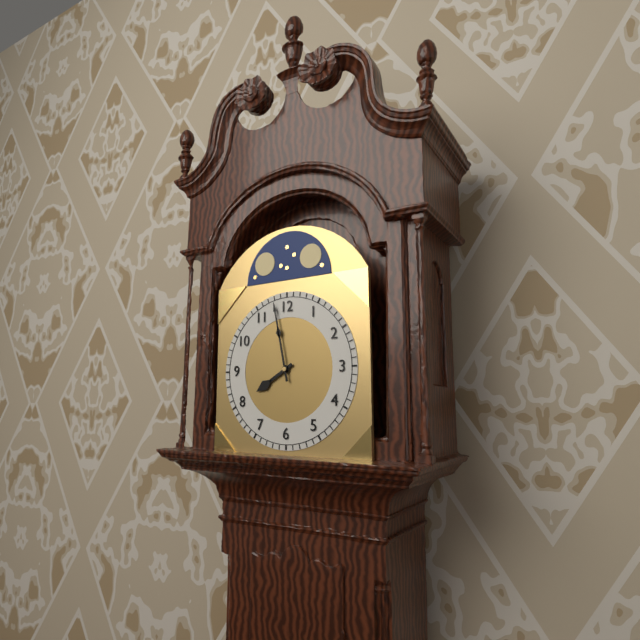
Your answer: **7:58**
